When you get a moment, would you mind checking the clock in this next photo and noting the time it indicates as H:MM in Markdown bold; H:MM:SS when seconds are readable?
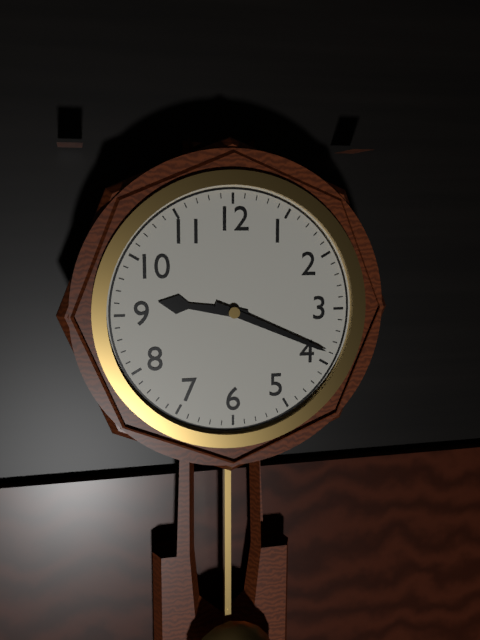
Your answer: **9:19**
